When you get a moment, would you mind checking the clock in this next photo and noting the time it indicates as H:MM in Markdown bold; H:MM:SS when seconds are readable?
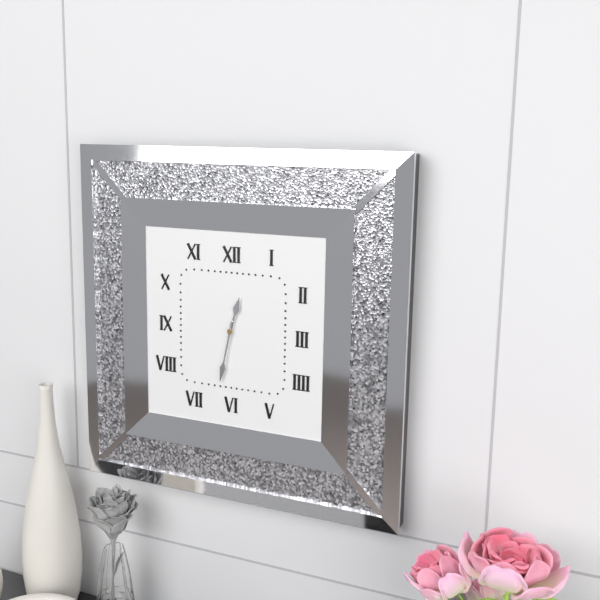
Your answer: **12:32**
